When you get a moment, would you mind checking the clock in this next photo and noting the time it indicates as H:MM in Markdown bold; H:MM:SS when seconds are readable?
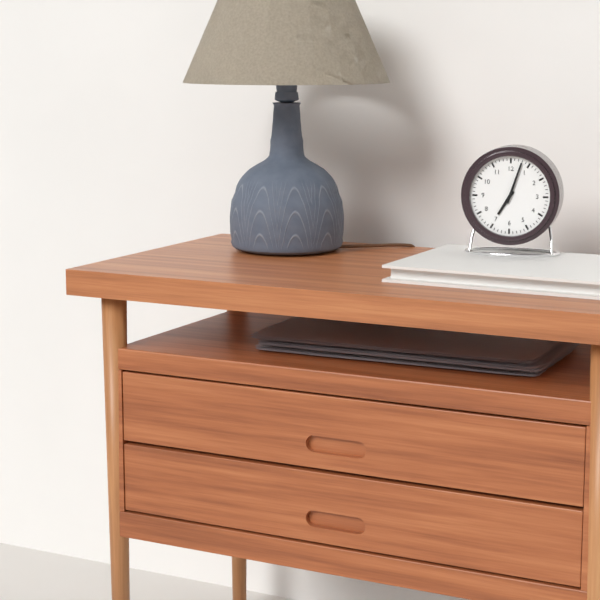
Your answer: **7:03**
